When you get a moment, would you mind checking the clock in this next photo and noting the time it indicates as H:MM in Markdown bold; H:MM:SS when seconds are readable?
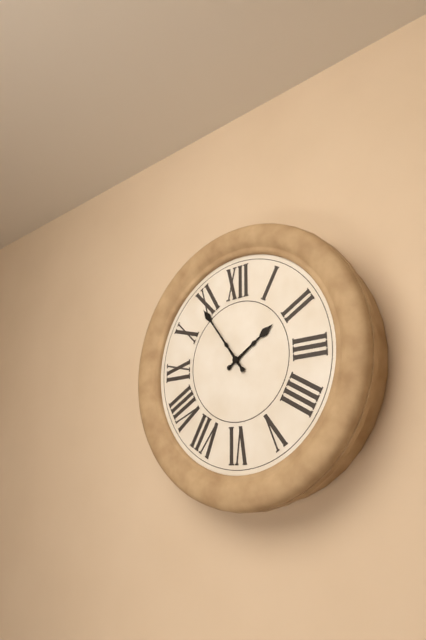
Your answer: **1:54**
